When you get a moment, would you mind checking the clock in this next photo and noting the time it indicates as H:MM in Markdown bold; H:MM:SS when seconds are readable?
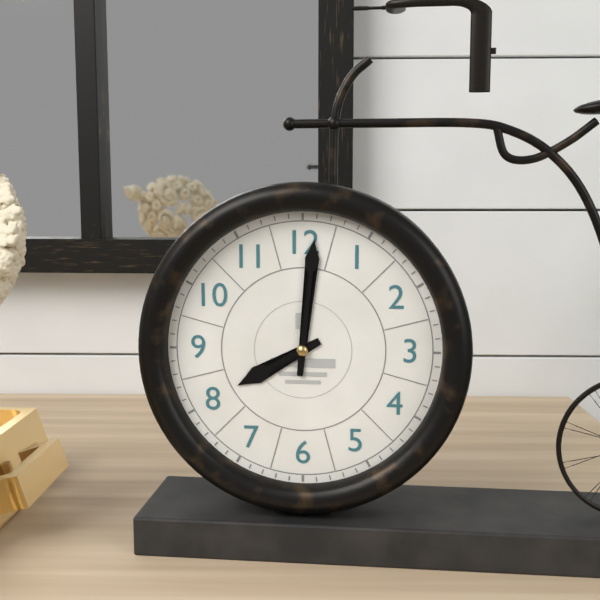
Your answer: **8:01**
